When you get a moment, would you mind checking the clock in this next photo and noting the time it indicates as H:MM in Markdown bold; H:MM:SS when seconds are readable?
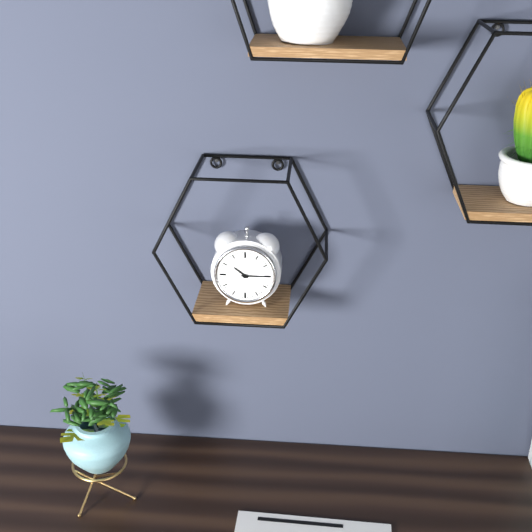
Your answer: **10:15**
